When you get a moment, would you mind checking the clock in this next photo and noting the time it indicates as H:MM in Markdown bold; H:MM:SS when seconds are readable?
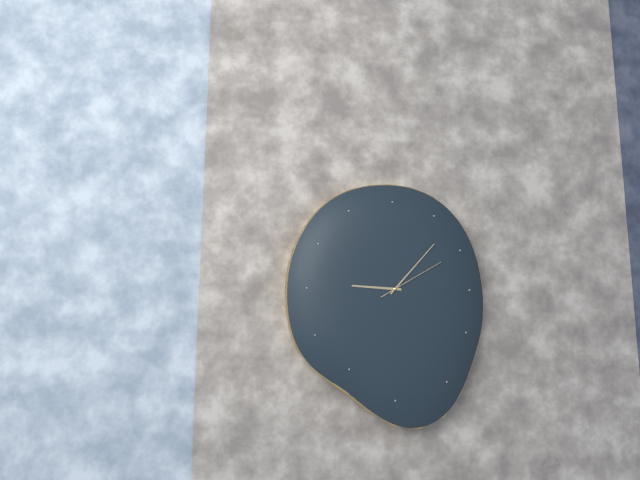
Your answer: **9:07:10**
